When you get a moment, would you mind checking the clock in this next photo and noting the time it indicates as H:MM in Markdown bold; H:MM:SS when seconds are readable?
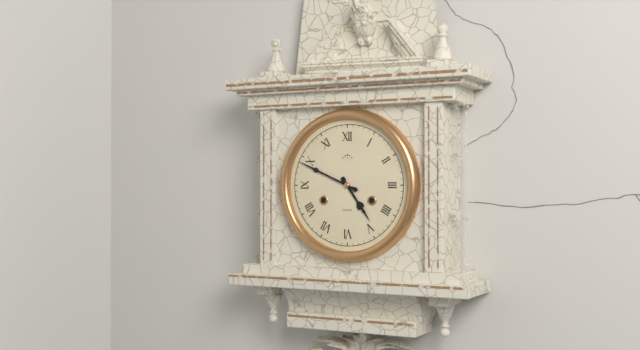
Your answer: **4:49**
